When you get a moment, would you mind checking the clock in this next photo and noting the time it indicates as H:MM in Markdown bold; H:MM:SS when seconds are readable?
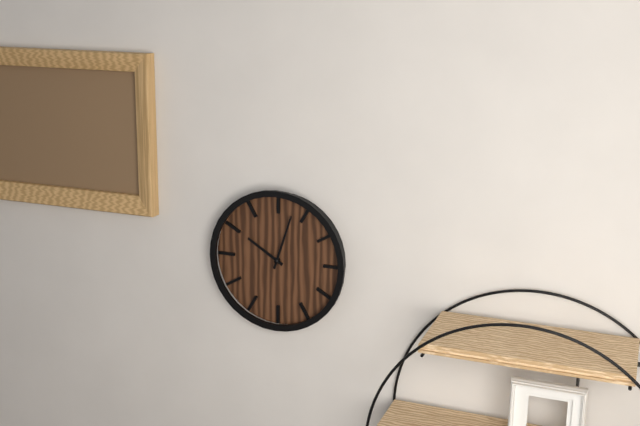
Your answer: **10:03**
